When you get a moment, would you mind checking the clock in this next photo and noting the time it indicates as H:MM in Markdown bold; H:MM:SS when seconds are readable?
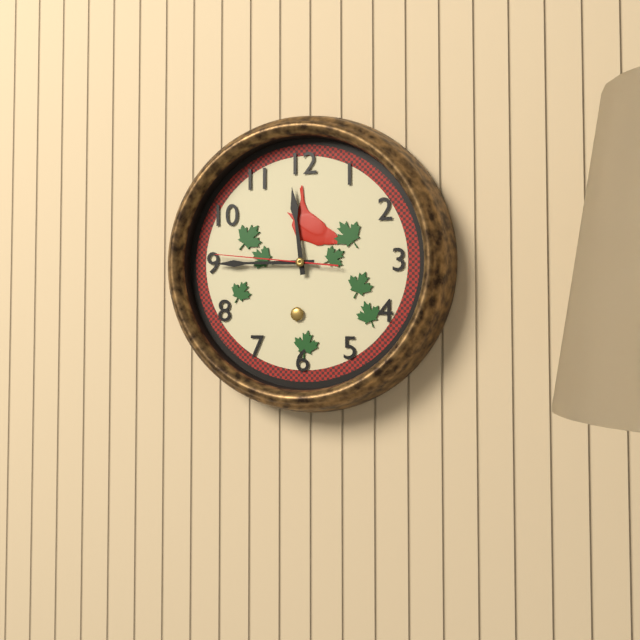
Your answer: **11:45:46**
